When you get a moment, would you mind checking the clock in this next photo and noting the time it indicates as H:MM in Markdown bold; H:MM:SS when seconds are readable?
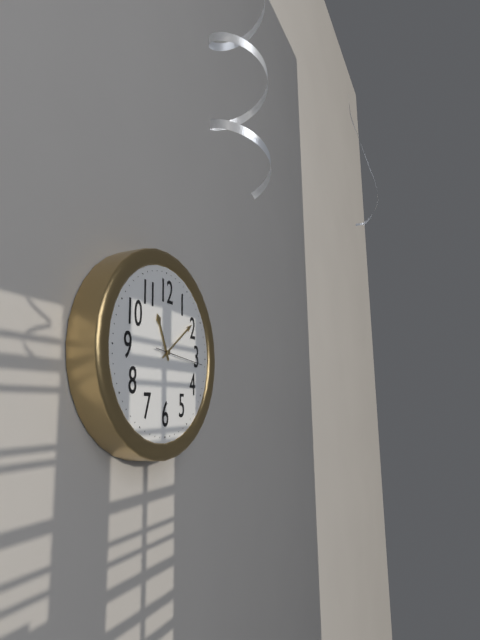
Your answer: **11:09**
